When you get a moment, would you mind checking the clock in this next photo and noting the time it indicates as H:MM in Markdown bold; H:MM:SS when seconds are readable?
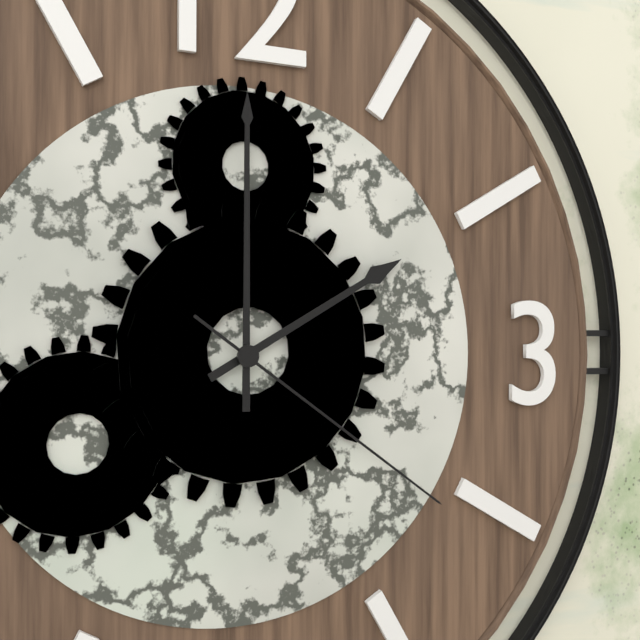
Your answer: **2:00:21**
